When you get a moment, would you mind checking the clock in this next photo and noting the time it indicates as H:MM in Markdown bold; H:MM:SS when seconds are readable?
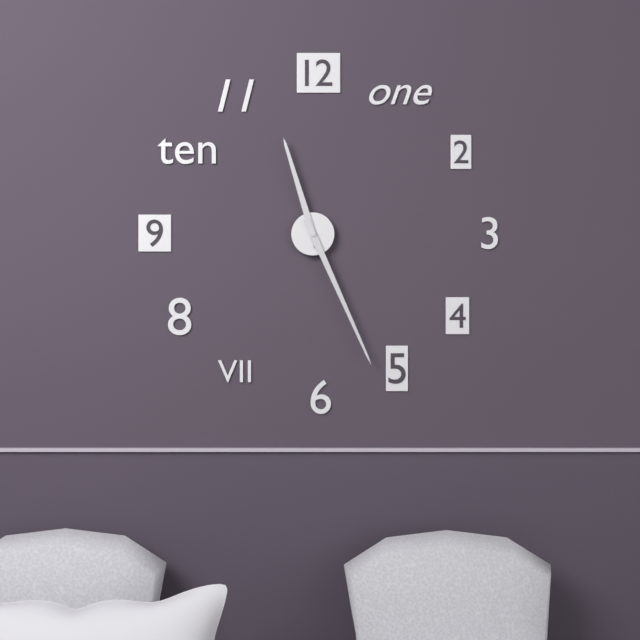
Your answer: **11:26**
